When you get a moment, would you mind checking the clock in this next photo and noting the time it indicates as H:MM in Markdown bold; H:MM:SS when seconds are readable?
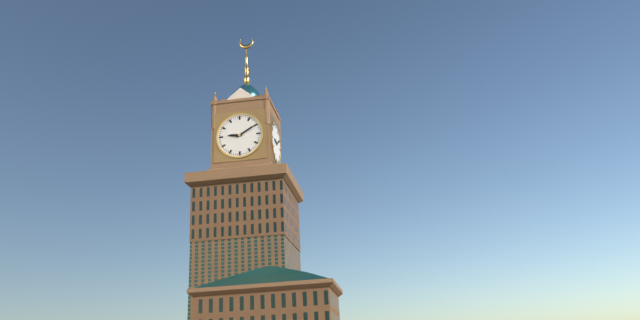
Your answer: **9:10**
